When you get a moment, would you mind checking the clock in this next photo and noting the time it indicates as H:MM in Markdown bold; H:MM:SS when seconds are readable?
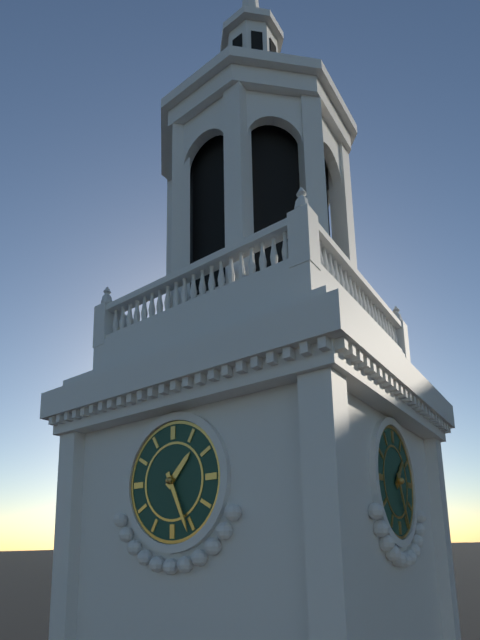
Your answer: **1:26**
